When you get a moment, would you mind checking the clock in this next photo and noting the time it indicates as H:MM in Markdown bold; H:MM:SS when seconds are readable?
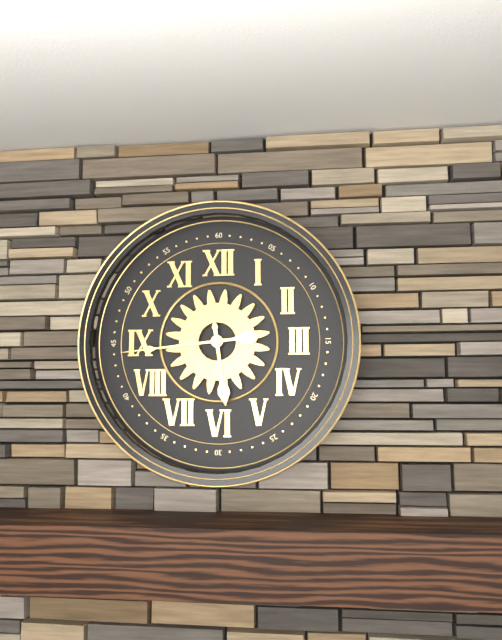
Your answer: **5:44**
